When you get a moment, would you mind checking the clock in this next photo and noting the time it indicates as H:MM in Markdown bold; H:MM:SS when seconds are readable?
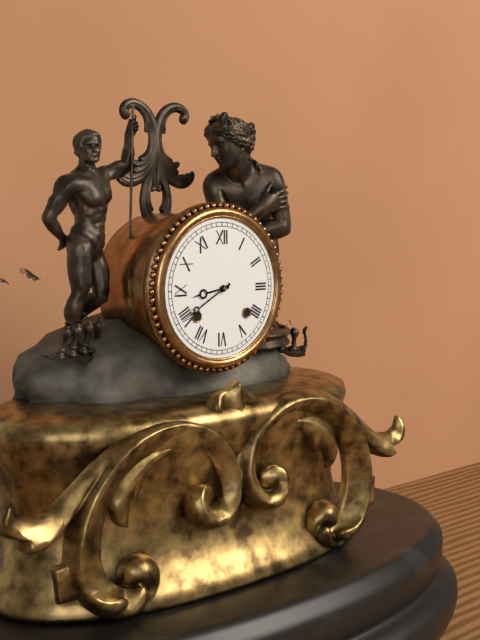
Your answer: **8:40**
